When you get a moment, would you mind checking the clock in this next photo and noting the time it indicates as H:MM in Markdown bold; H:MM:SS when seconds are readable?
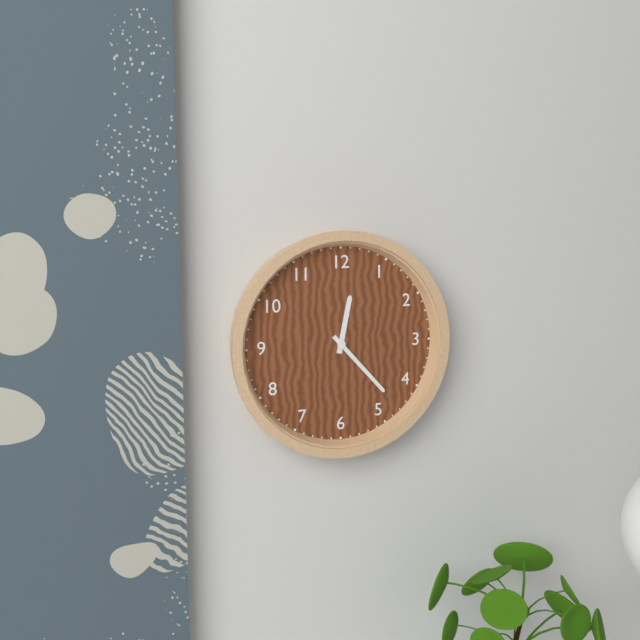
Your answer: **12:23**
